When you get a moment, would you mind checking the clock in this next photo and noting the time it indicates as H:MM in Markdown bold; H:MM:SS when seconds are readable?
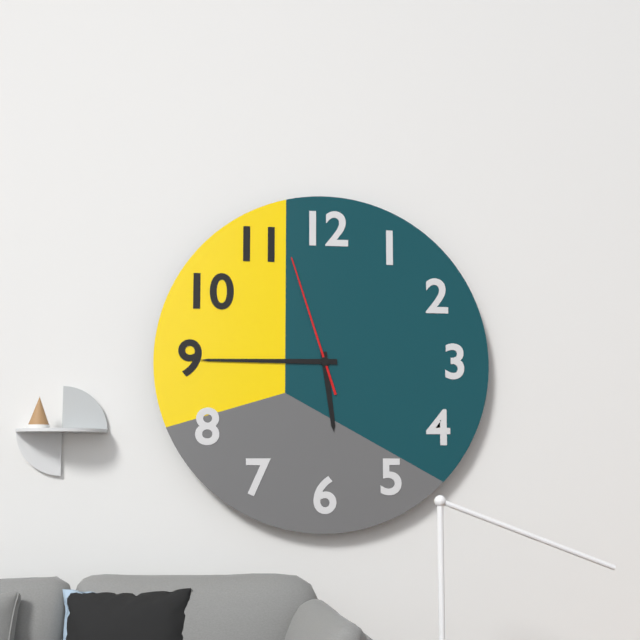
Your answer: **5:45:57**
